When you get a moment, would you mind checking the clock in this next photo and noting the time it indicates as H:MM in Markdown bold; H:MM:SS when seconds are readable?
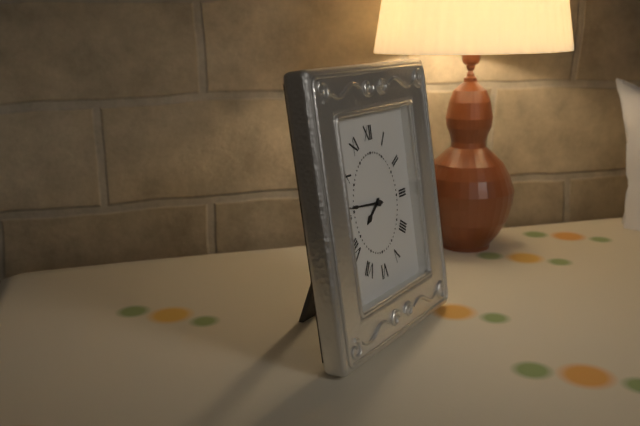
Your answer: **7:46**
